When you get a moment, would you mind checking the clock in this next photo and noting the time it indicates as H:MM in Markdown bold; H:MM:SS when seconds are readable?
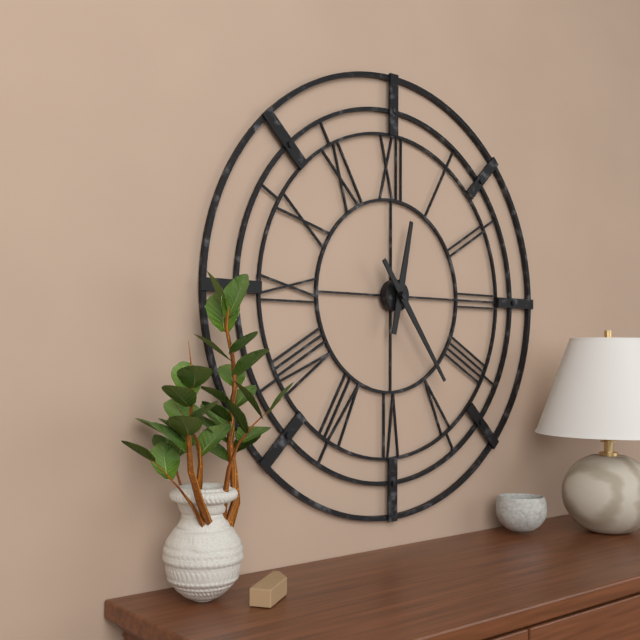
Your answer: **12:24**
